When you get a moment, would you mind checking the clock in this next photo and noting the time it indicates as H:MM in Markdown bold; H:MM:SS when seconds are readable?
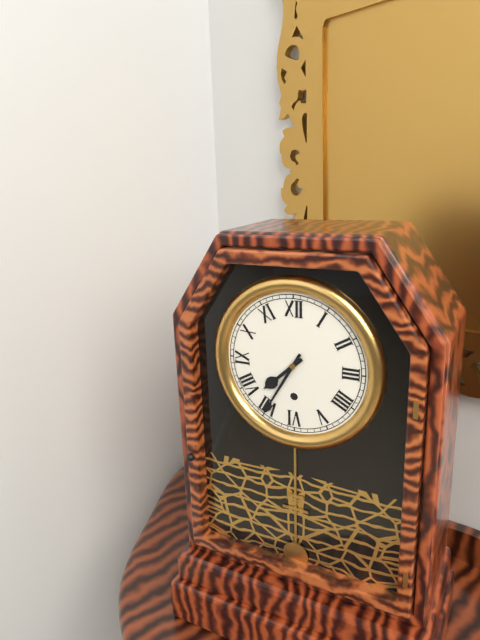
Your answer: **7:35**
